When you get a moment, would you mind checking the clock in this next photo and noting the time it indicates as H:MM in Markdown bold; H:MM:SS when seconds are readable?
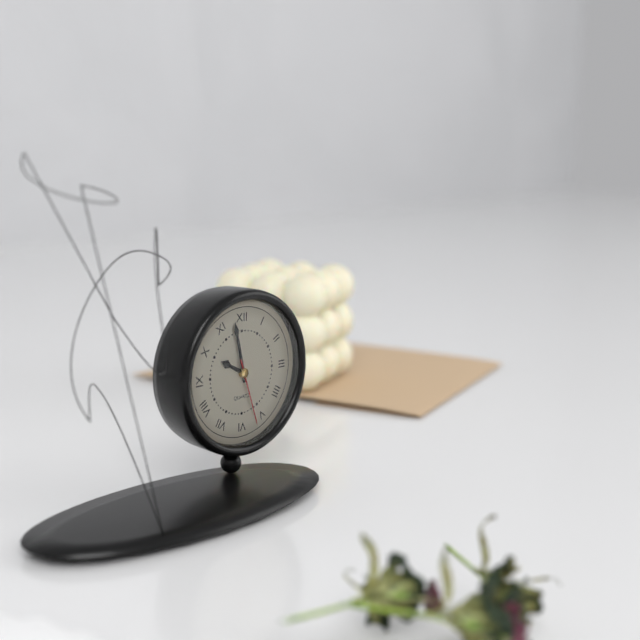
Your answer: **9:58:27**
